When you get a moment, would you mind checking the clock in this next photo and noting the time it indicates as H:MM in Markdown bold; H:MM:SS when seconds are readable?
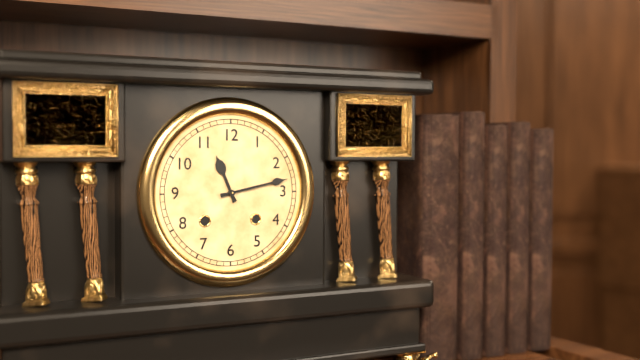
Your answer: **11:13**
